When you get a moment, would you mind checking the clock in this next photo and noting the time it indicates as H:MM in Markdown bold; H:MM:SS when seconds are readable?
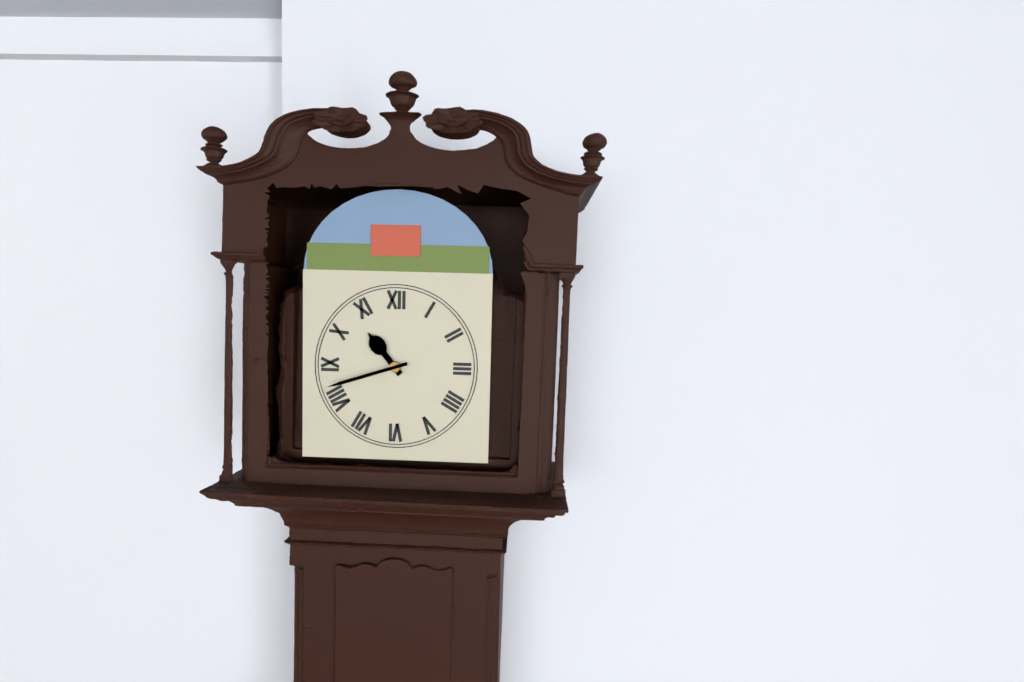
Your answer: **10:42**
